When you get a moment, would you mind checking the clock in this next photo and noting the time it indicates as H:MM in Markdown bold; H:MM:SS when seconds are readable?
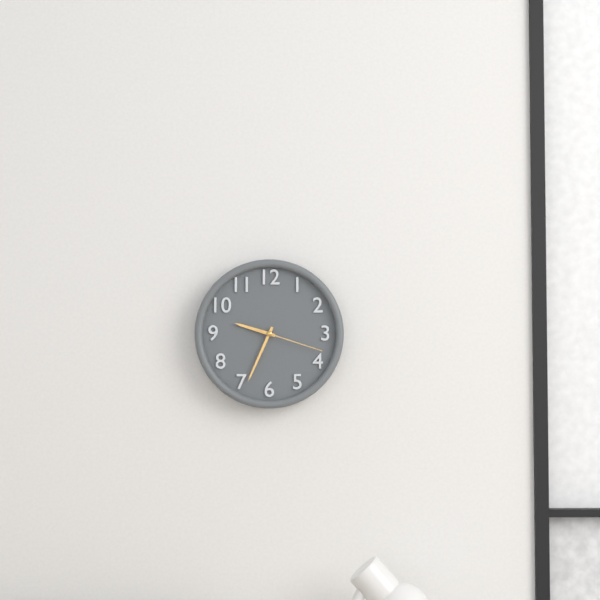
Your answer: **9:34:18**
